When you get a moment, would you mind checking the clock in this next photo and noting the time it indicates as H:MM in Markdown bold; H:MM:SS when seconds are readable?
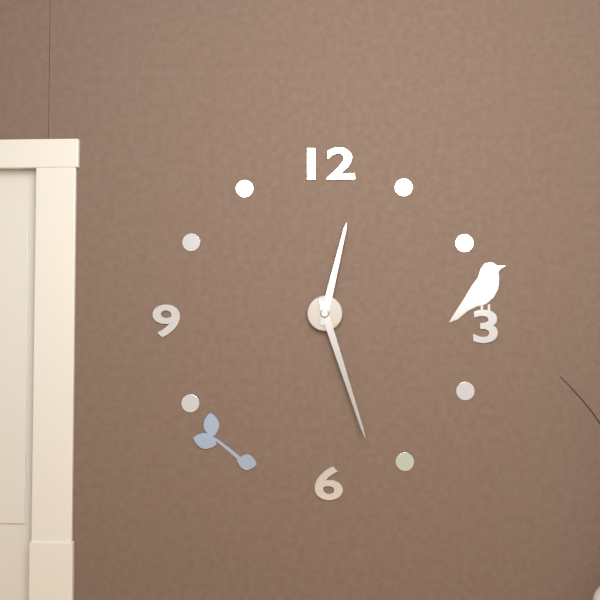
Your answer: **12:27**
